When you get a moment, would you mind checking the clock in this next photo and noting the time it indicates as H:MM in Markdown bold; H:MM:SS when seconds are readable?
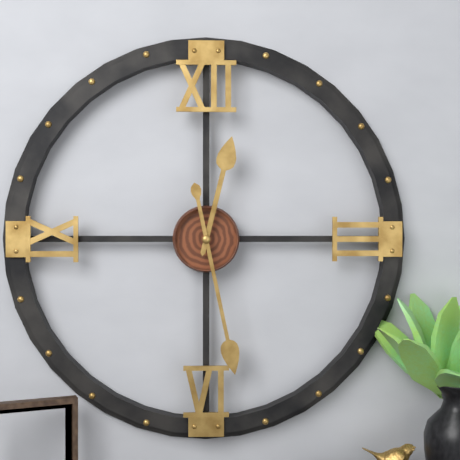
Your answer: **12:28**
